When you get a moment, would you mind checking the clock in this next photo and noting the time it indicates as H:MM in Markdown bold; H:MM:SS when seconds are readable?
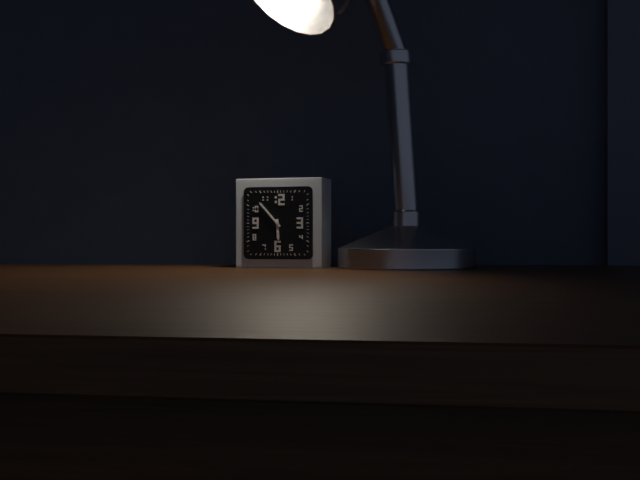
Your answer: **5:53**
